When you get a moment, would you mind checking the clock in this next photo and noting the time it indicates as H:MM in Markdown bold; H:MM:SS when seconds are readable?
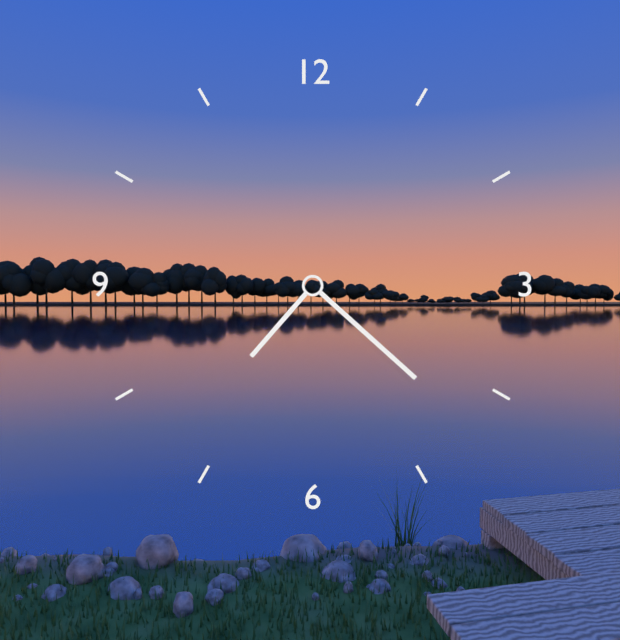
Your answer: **7:22**
